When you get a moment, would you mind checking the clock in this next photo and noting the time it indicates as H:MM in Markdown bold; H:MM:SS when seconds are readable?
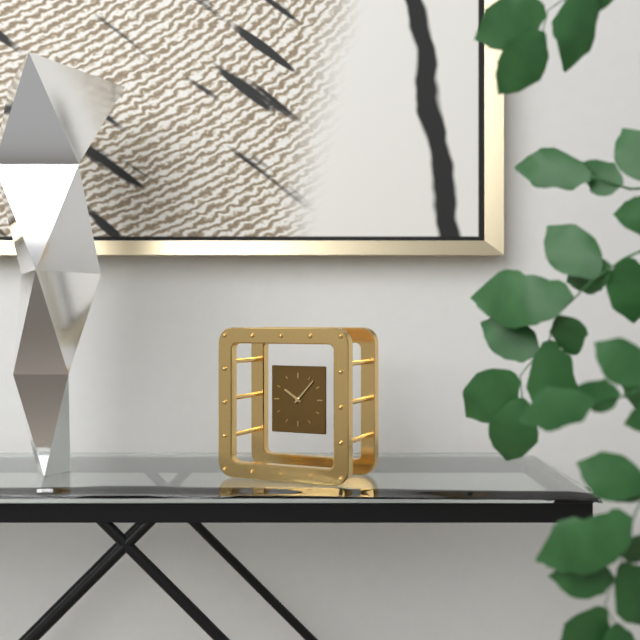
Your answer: **10:07**
